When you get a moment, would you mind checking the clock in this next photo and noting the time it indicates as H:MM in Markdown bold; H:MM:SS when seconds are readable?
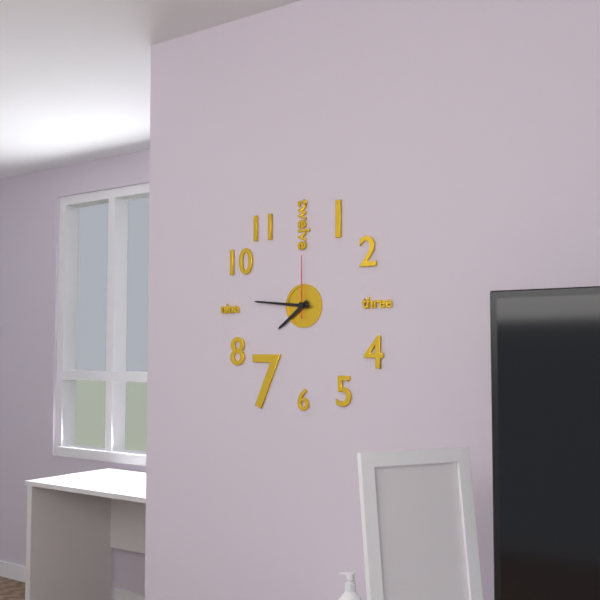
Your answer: **7:46:00**
